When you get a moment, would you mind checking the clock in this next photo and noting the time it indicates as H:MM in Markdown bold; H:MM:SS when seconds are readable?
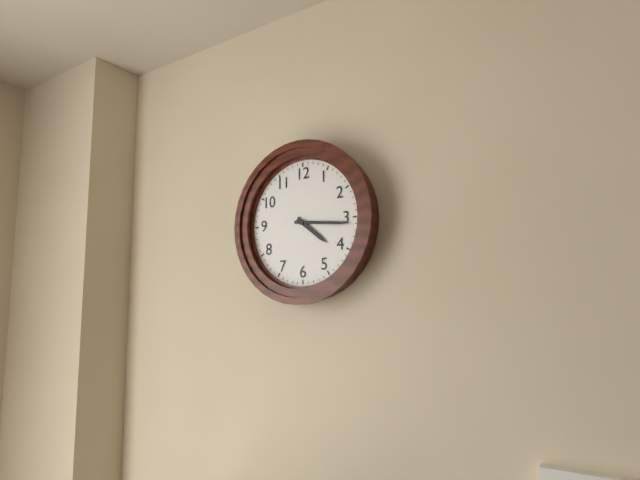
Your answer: **4:16**
